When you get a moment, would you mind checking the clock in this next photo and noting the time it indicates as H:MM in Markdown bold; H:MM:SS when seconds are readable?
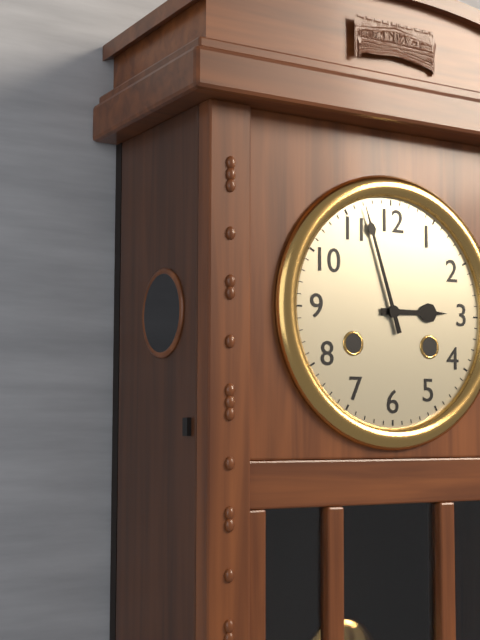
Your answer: **2:57**
